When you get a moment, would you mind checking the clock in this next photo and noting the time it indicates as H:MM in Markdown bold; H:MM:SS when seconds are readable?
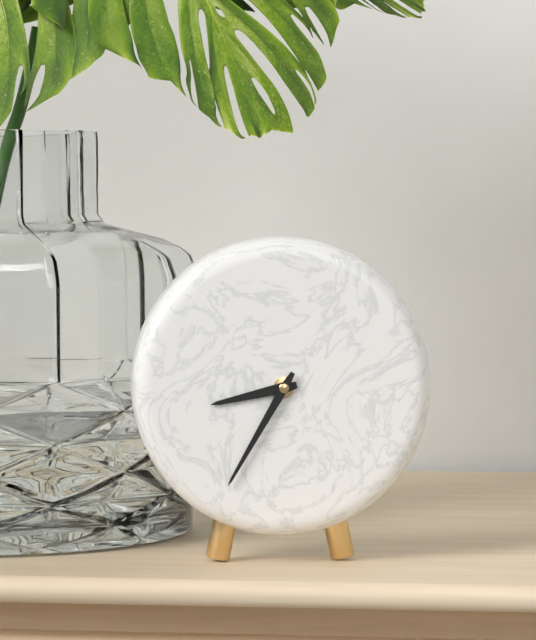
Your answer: **8:35**
